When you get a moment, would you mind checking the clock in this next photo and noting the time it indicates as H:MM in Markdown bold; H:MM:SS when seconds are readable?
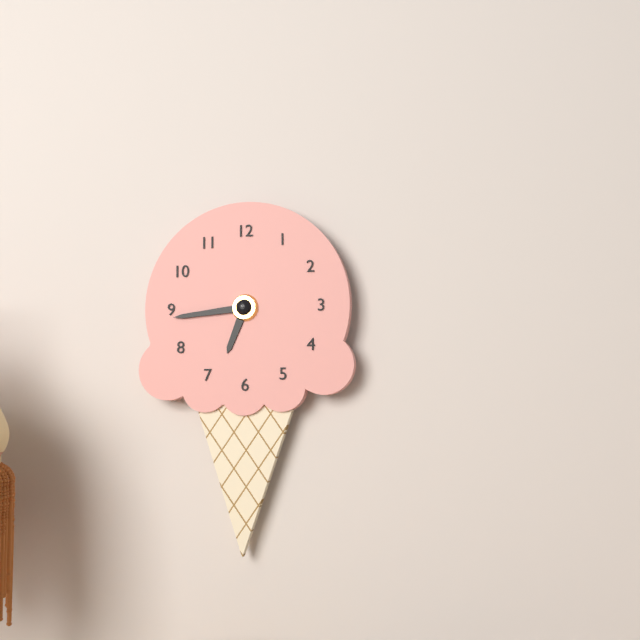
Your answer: **6:44**
